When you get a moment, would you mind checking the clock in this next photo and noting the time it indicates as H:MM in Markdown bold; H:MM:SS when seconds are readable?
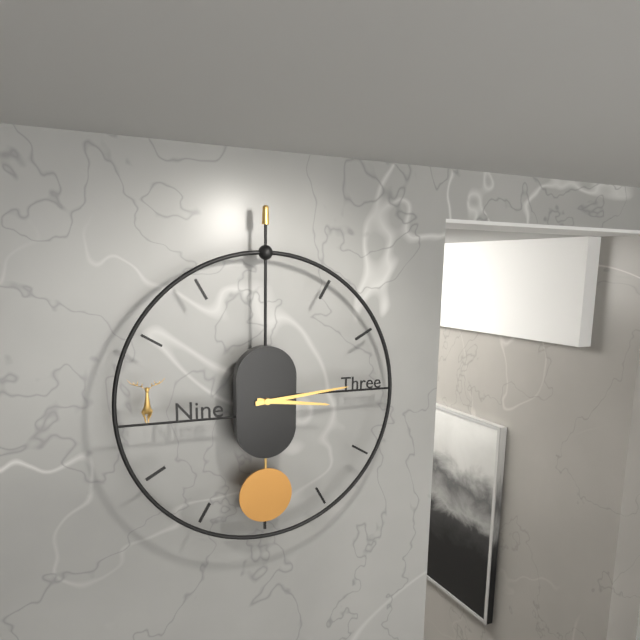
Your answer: **3:14**
